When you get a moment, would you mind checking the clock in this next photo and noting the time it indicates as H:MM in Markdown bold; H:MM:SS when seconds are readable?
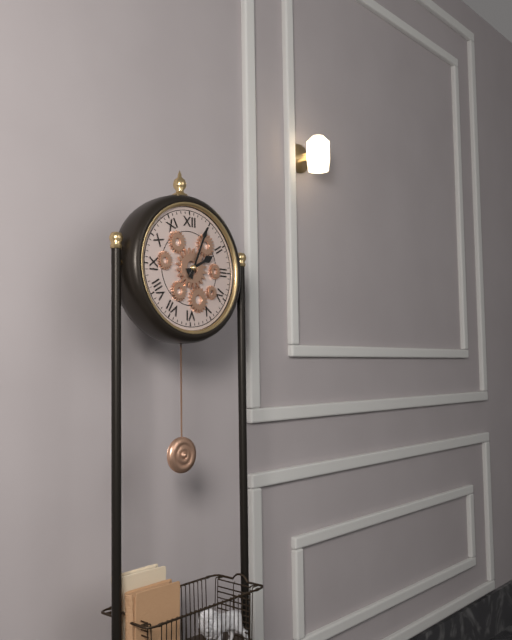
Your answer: **2:04**
